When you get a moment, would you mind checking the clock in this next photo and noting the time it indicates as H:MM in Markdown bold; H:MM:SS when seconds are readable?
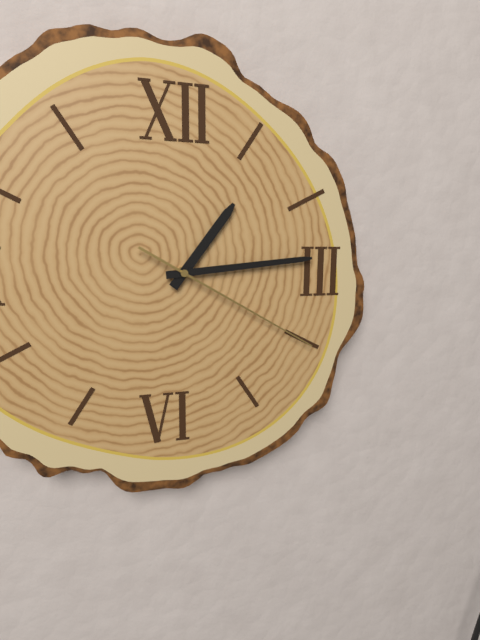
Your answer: **1:14:20**
